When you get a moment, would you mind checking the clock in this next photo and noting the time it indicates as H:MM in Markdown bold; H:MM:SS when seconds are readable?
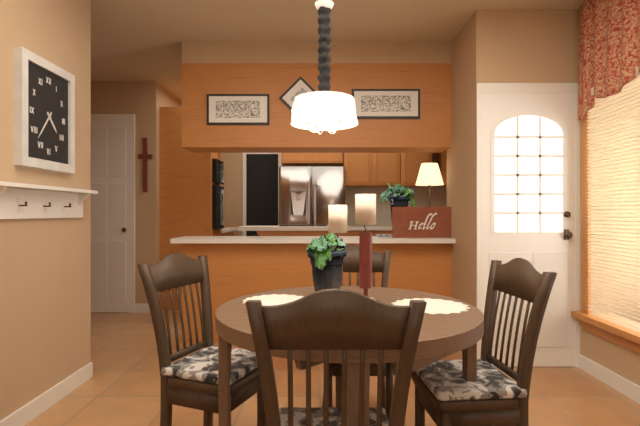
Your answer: **4:36**
